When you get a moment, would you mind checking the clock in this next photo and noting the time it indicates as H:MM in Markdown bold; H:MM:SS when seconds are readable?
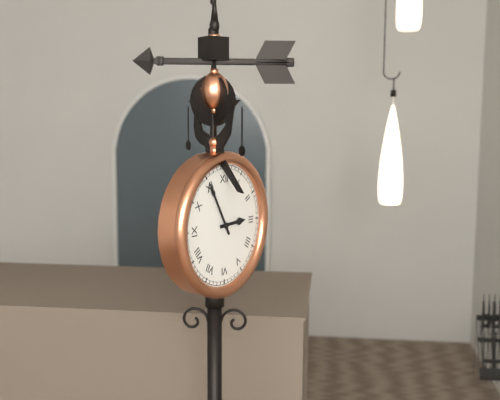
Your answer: **2:55**
